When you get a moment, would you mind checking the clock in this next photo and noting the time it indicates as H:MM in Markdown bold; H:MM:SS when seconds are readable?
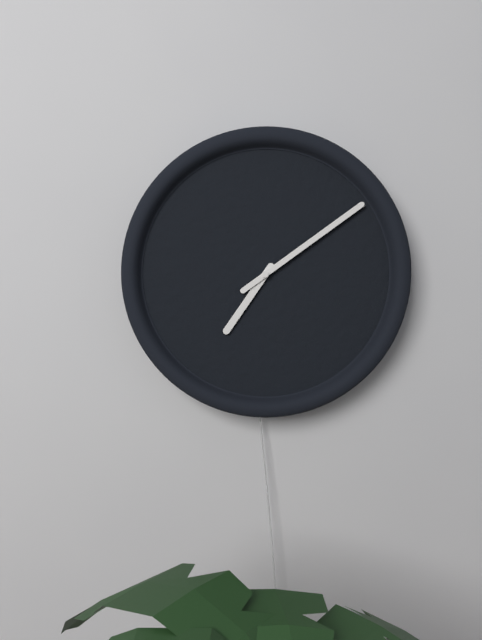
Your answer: **7:09**
